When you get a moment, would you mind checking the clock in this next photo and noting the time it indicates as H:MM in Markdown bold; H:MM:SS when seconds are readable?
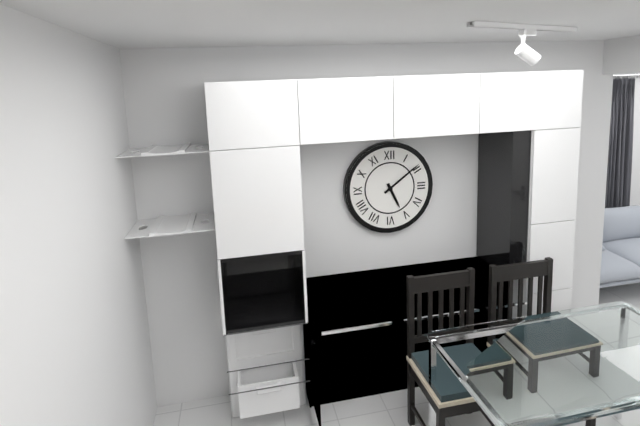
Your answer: **5:09**
